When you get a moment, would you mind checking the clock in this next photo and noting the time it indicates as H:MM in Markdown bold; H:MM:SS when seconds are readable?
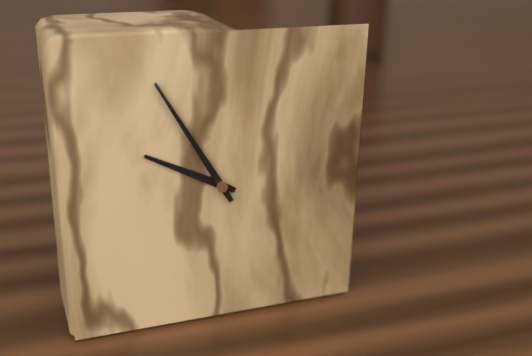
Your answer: **9:55**
